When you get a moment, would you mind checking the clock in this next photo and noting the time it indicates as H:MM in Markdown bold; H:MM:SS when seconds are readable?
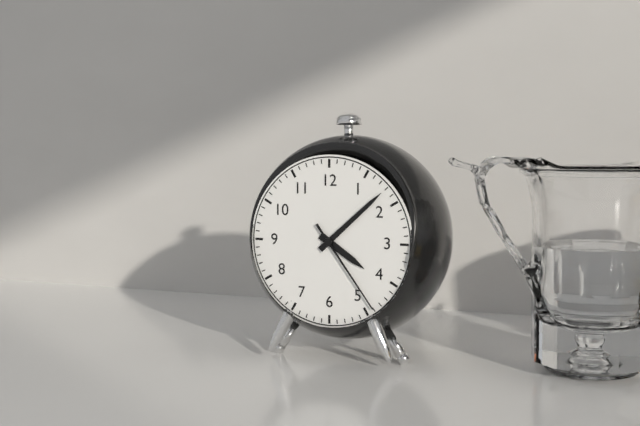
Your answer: **4:08:24**
